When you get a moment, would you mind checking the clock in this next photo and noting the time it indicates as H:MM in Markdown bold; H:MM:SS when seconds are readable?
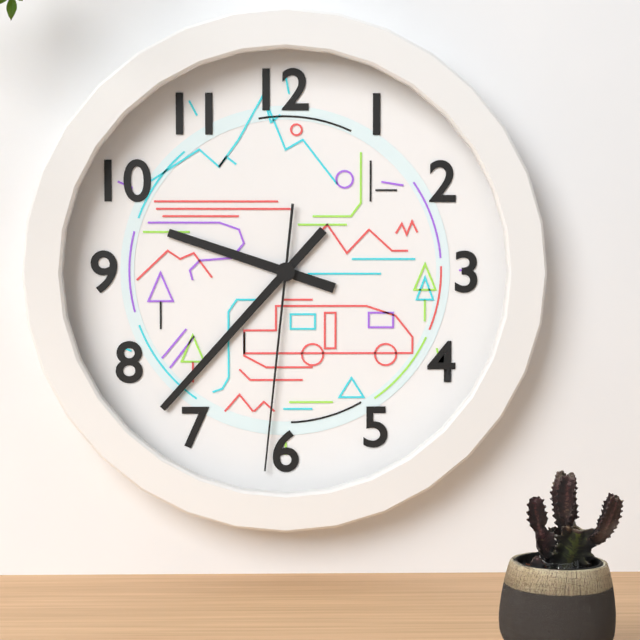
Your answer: **9:37:31**
